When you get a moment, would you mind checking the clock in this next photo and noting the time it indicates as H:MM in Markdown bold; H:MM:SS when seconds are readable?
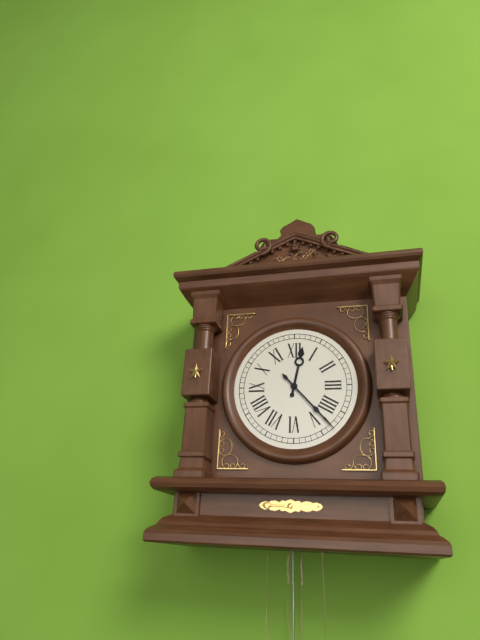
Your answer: **12:23**
